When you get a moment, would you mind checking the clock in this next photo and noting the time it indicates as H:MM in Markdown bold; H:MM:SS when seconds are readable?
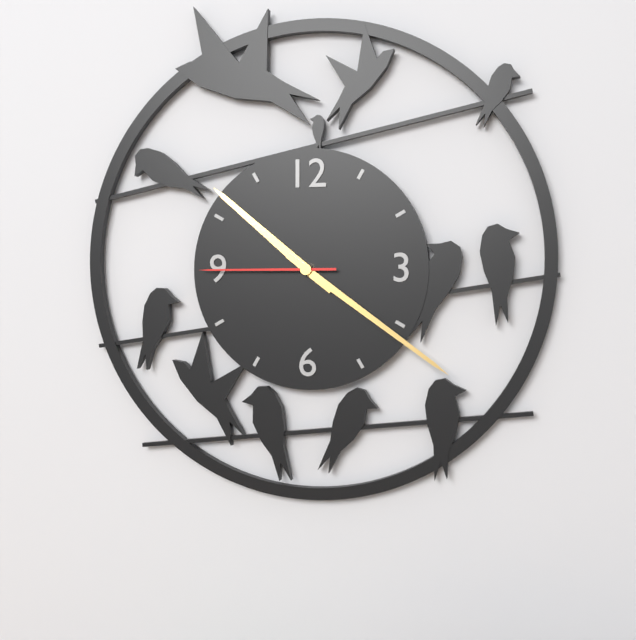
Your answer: **10:21:45**
